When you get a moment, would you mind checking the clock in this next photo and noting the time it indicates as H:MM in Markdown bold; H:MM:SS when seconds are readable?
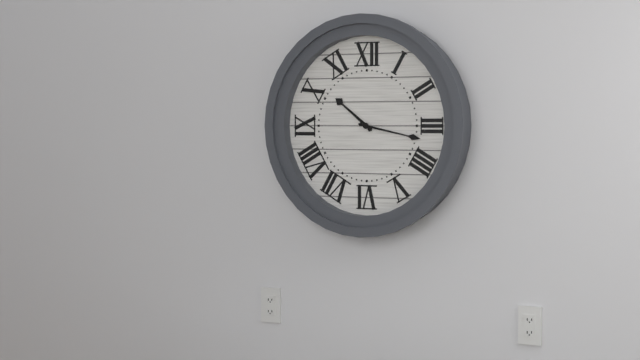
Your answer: **10:17**
